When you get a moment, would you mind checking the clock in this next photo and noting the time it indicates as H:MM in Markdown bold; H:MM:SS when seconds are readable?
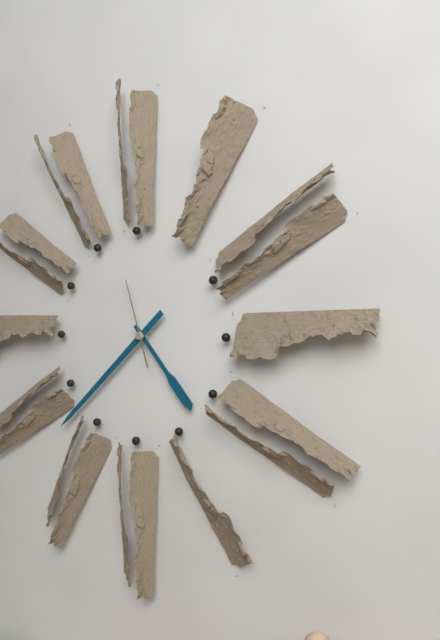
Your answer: **4:38:57**
